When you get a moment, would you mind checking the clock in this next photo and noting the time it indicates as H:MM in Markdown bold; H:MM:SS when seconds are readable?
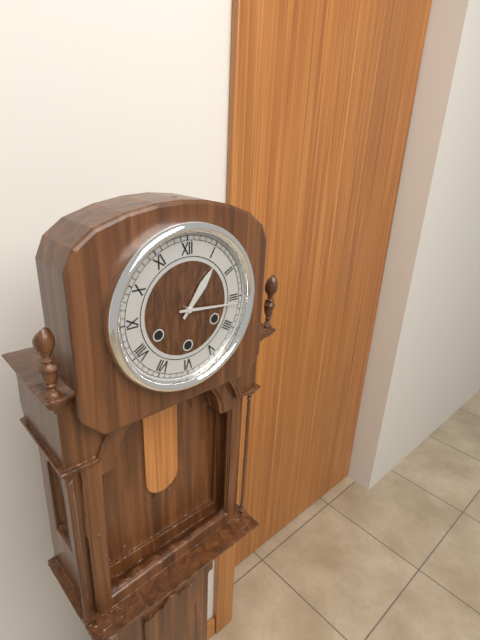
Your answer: **1:16**
